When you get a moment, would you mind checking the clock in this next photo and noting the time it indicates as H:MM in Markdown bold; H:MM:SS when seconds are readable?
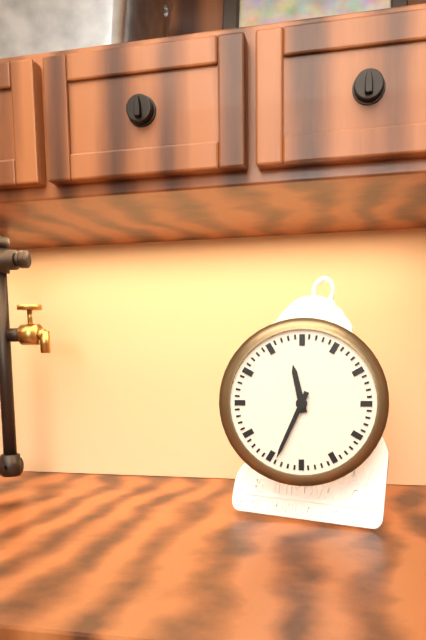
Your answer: **11:34**
